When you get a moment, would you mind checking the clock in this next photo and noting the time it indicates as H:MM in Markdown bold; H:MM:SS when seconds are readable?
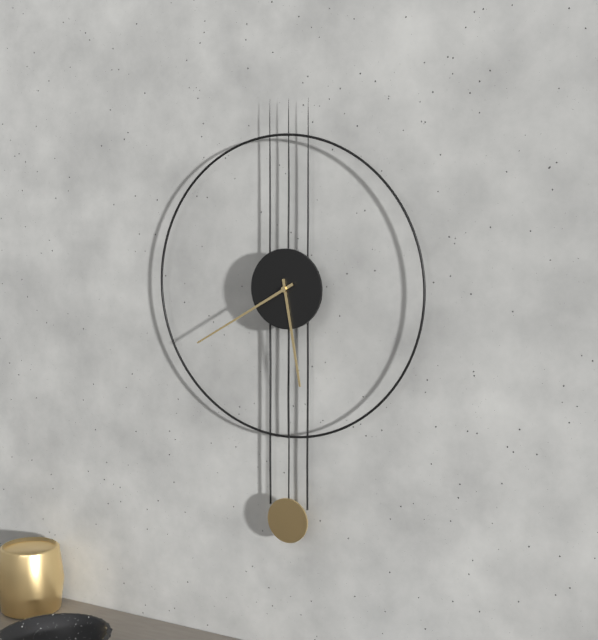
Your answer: **5:40**
